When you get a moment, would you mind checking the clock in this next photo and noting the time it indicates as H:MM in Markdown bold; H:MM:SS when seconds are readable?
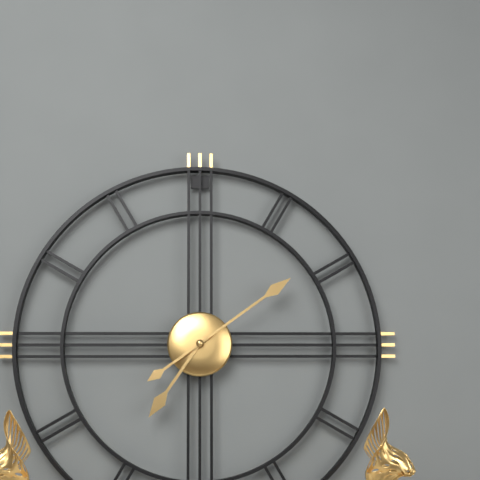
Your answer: **7:09**
